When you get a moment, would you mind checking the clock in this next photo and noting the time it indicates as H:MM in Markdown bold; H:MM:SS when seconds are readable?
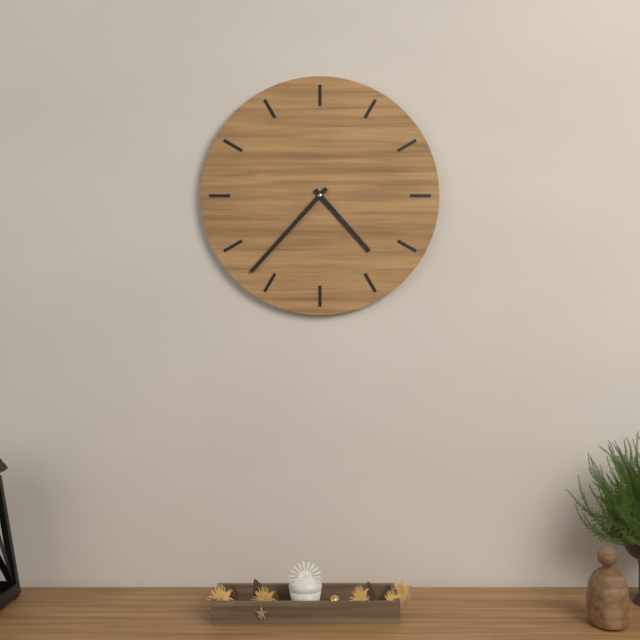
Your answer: **4:37**
